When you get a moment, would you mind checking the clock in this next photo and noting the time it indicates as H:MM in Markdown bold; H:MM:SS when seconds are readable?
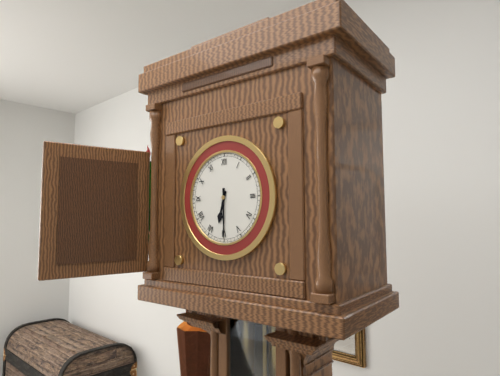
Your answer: **6:30**
